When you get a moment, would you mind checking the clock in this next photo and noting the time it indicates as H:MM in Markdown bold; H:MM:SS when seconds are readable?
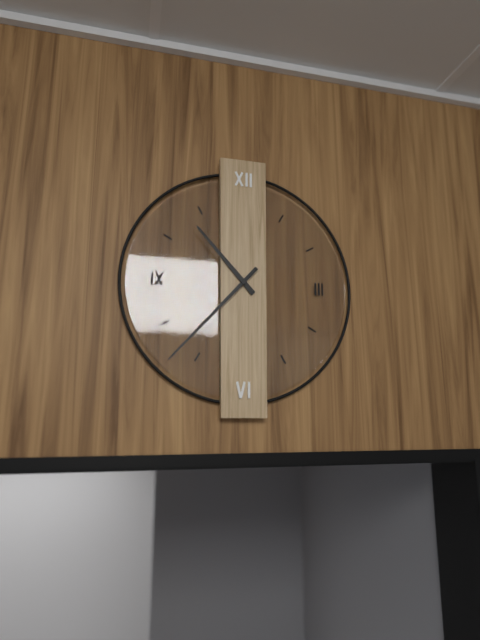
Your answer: **10:37**
